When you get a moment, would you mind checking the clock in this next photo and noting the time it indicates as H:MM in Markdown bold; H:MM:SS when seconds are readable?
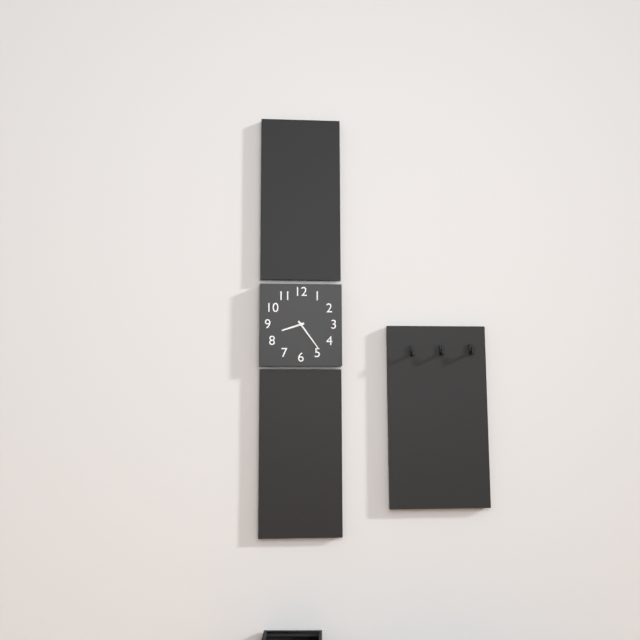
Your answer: **8:24**
